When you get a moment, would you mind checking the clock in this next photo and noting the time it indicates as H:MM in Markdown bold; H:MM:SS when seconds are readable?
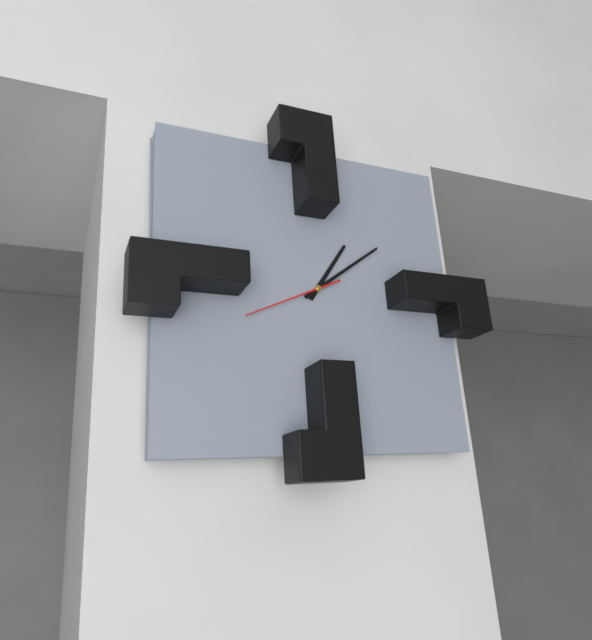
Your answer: **1:09:41**
